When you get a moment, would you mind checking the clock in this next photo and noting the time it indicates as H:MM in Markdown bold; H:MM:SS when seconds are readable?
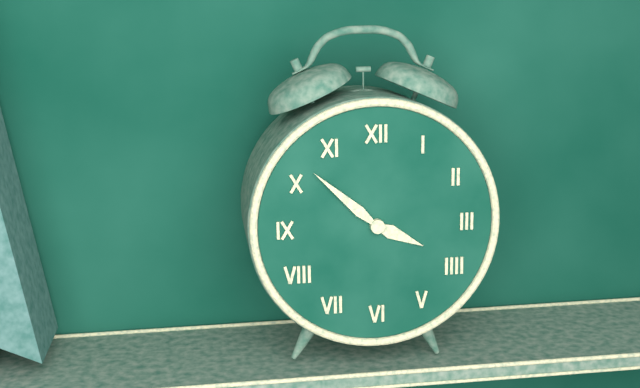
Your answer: **3:52**
